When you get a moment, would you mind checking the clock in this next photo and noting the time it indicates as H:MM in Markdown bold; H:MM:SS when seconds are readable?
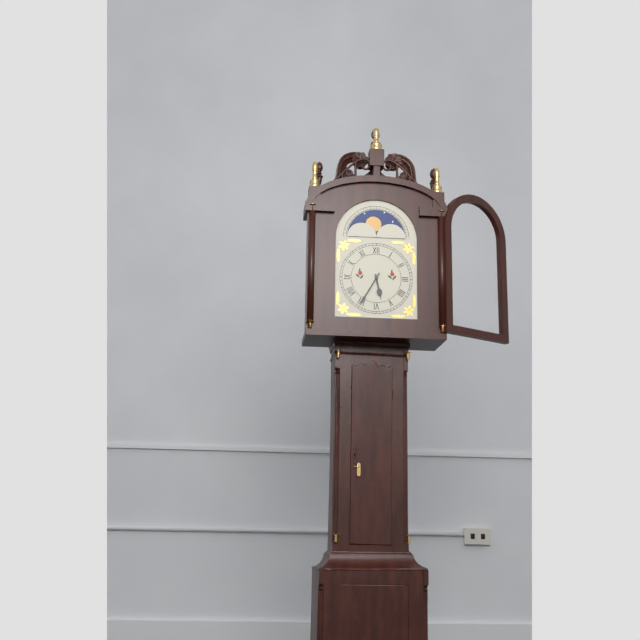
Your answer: **5:35**
